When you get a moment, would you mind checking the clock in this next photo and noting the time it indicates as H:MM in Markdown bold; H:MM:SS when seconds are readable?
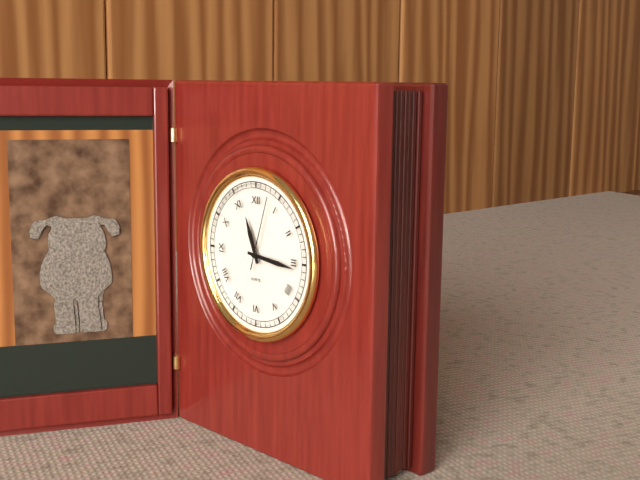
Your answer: **11:16:03**
